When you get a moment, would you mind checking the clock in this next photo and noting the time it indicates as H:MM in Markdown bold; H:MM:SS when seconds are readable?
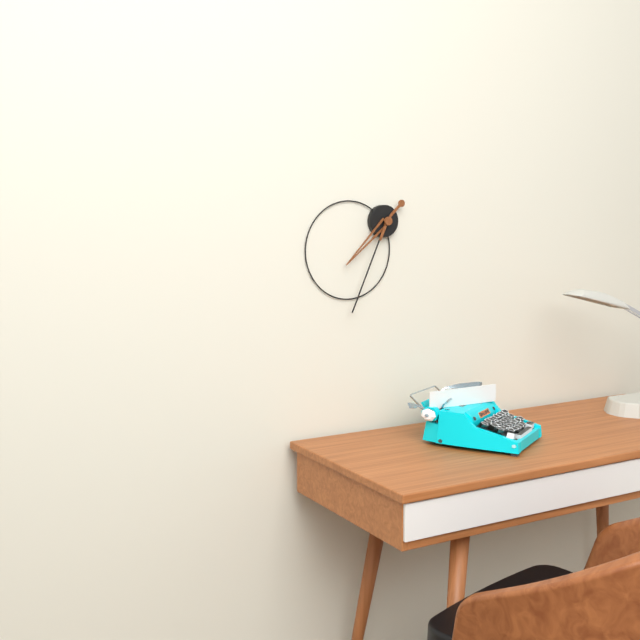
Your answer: **7:34**
